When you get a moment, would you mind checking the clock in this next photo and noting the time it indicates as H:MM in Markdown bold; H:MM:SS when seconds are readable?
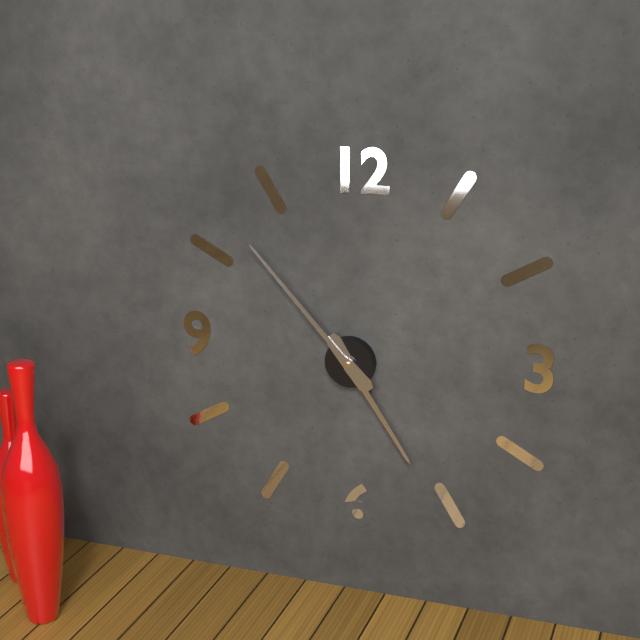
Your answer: **4:53**
